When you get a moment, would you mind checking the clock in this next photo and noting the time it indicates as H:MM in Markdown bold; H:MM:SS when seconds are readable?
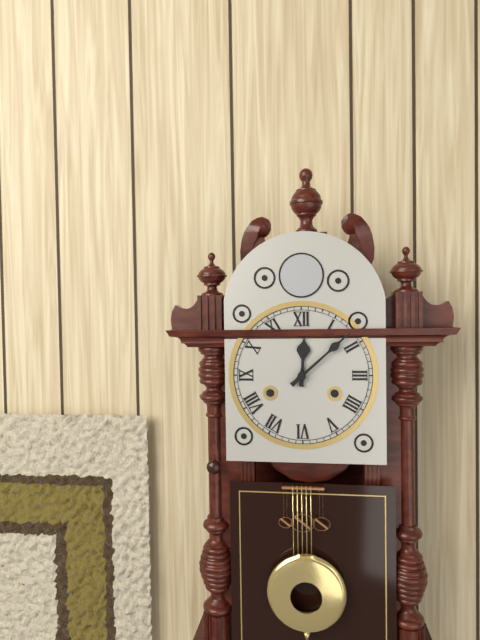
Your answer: **12:08**
